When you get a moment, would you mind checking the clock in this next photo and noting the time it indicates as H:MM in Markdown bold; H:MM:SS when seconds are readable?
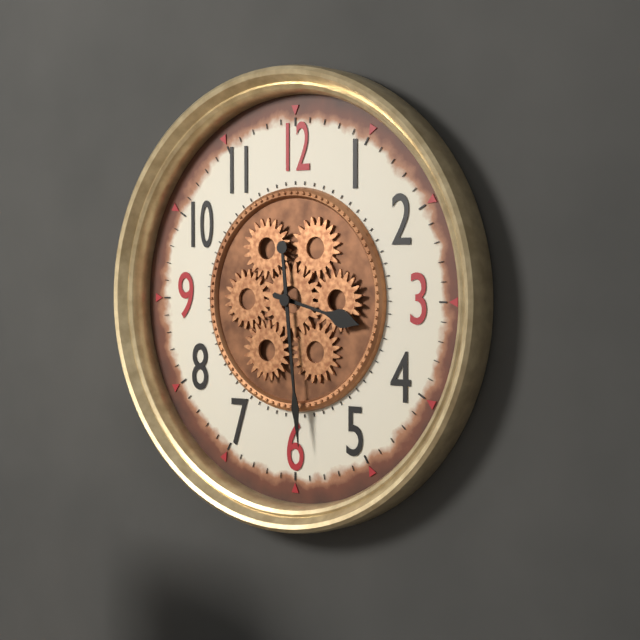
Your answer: **3:29**
